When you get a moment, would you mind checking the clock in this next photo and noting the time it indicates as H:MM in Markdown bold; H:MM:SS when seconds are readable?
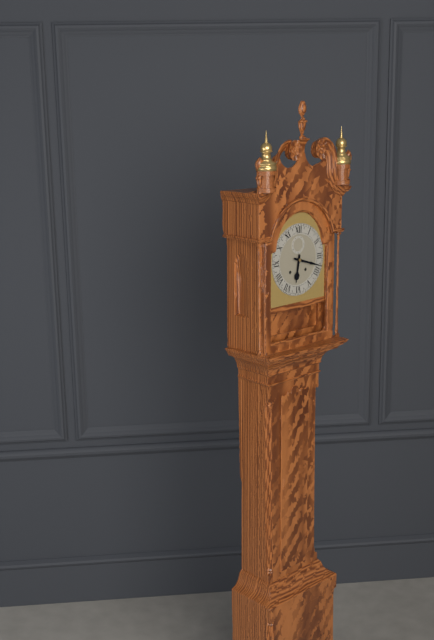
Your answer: **6:18**
